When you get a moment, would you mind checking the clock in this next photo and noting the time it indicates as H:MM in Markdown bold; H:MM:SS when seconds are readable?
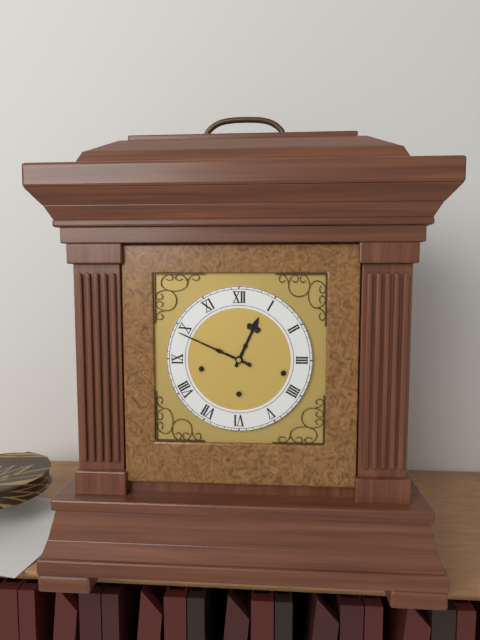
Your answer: **12:49**
